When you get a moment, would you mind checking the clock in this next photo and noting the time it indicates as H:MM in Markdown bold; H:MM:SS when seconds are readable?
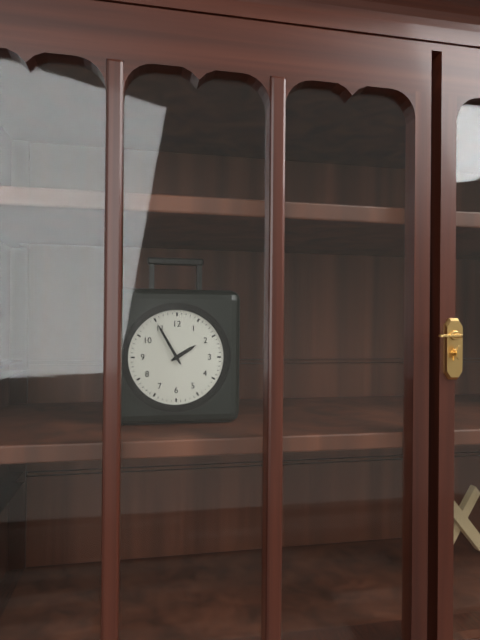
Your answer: **1:55**
